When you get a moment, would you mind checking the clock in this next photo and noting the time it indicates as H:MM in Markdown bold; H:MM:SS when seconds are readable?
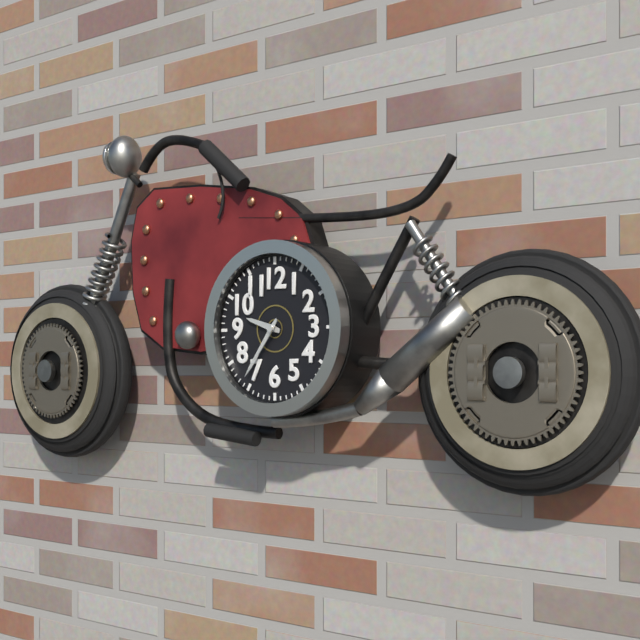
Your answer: **9:36**
